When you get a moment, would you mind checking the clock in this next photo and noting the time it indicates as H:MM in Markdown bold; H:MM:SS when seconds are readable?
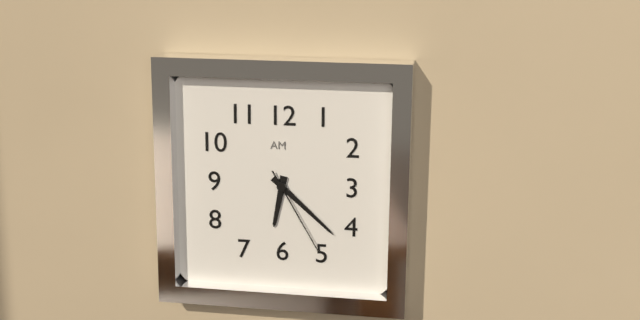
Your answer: **6:22:25**
